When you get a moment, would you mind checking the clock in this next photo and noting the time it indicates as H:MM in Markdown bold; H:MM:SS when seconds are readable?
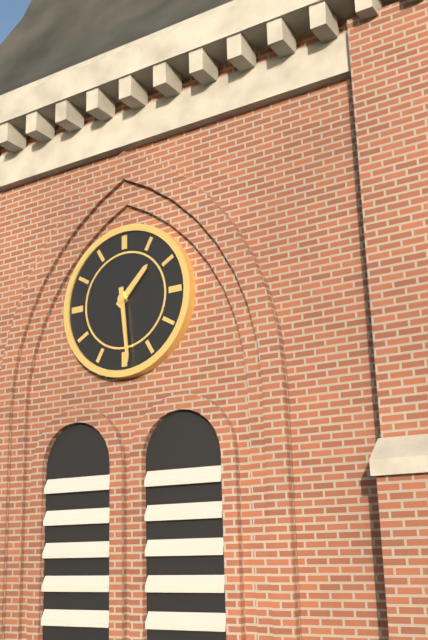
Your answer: **1:29**
